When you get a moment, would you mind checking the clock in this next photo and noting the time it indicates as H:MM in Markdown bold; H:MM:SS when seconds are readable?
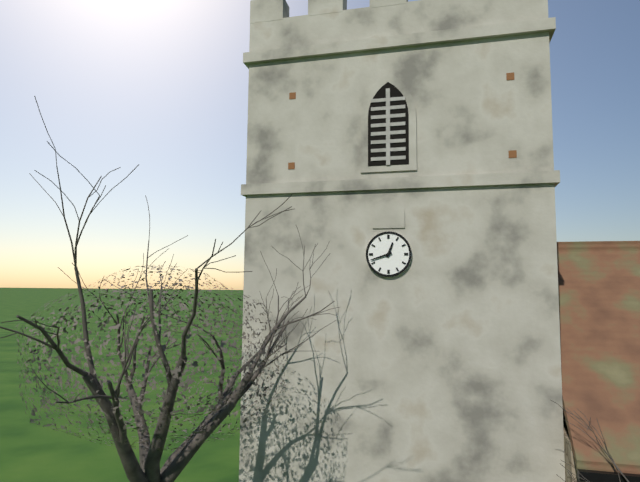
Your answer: **12:42**
